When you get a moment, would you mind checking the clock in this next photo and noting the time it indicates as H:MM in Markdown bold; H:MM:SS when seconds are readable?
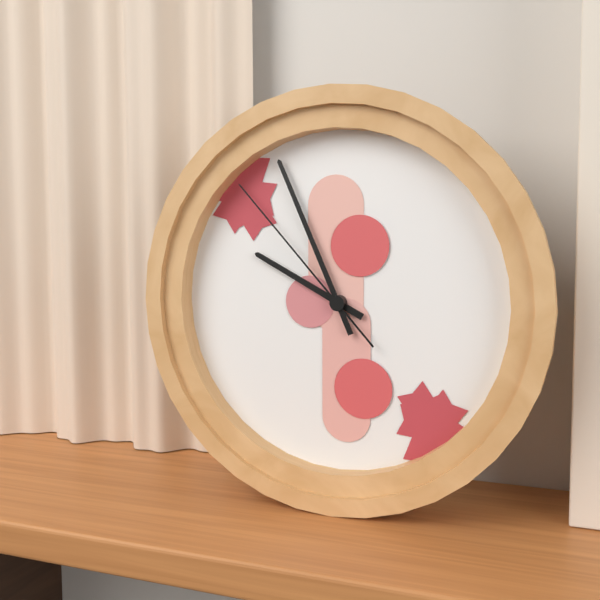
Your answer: **9:56:53**
